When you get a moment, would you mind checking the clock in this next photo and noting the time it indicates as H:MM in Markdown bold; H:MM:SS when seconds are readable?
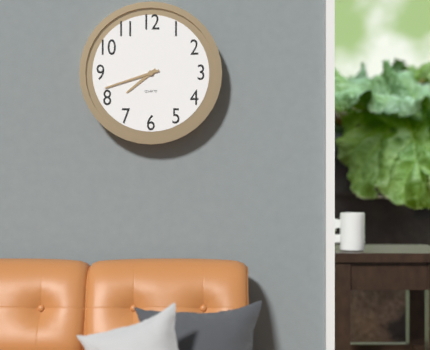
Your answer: **7:42**
